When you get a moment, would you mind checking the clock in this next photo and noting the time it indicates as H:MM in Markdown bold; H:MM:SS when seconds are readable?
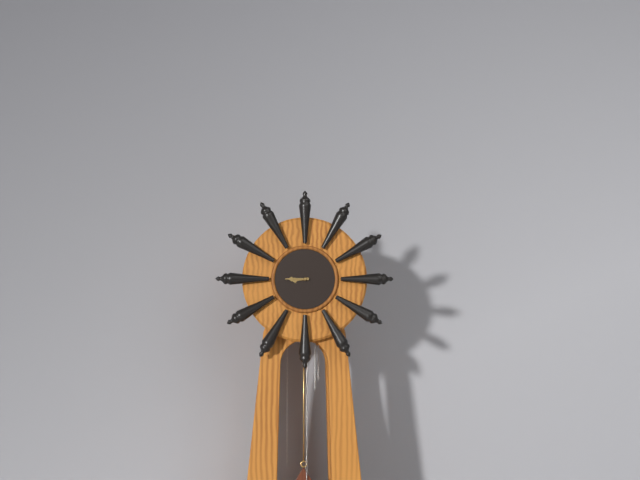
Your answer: **8:45**
